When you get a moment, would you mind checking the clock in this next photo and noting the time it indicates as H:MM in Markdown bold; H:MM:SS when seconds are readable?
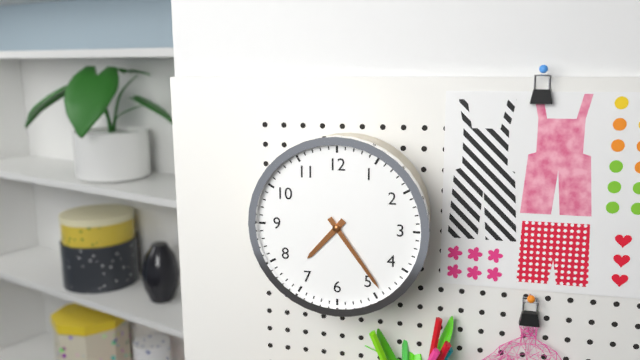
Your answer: **7:24**
